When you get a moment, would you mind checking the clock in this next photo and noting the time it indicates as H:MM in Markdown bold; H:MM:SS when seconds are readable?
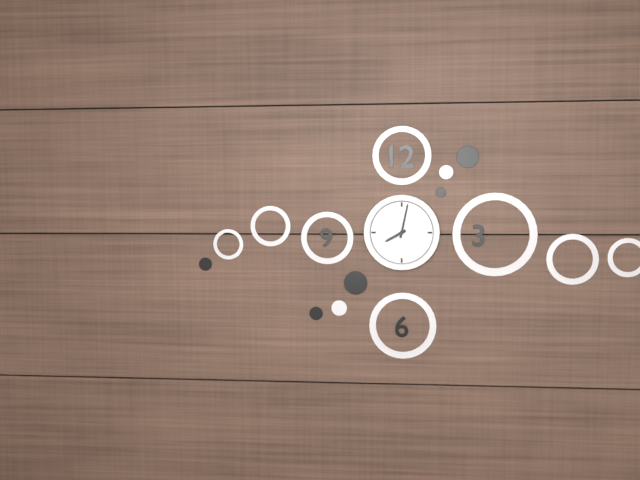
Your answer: **8:02**
